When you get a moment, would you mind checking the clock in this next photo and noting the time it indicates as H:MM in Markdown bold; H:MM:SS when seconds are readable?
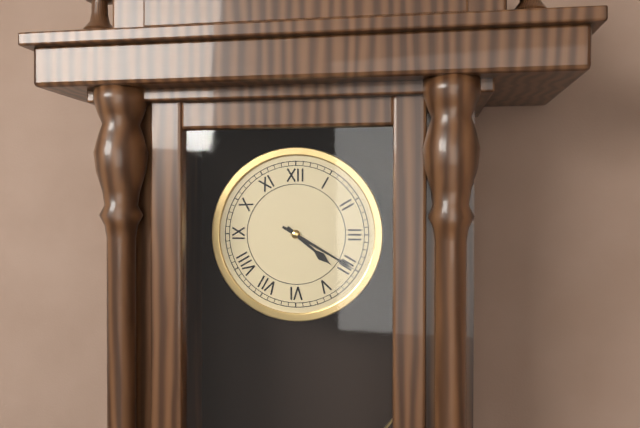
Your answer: **4:20**
